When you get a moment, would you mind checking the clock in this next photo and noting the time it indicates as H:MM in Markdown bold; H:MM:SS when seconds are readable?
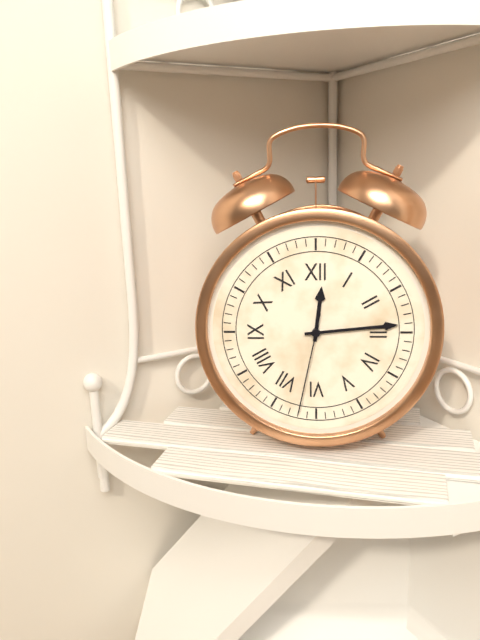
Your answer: **12:14:32**
